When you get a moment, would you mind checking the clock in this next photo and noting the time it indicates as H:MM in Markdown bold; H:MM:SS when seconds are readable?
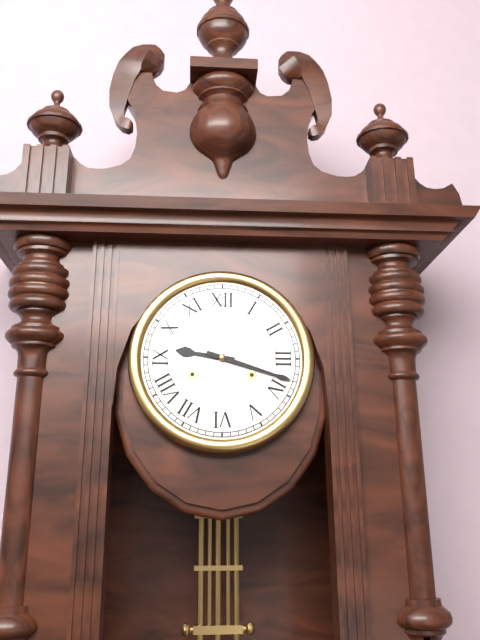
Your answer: **9:18**
